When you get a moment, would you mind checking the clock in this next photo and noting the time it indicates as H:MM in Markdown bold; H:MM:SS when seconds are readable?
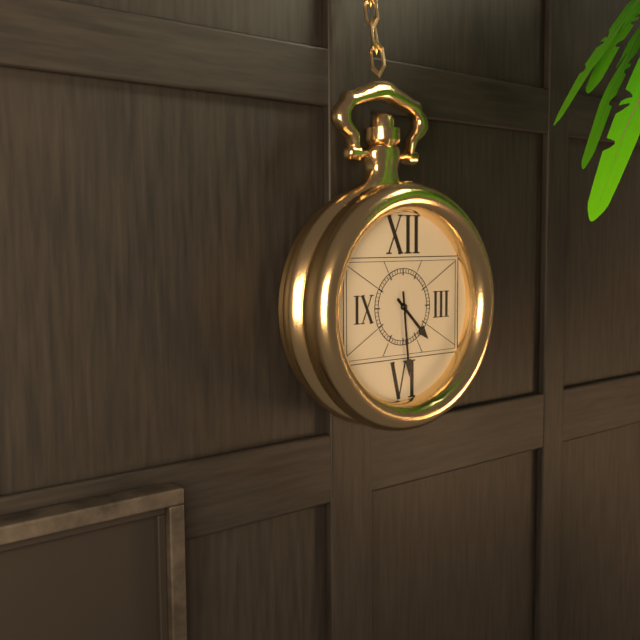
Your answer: **4:29**
